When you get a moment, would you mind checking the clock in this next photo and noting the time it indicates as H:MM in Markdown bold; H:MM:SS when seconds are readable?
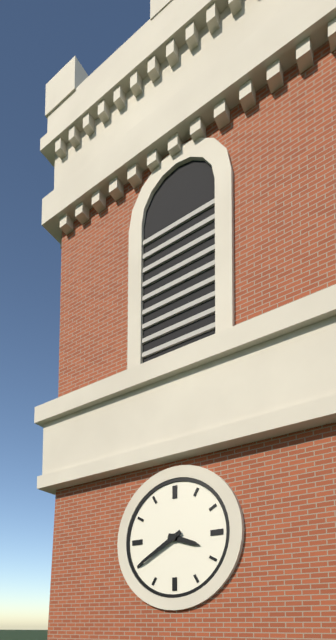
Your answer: **3:40**
